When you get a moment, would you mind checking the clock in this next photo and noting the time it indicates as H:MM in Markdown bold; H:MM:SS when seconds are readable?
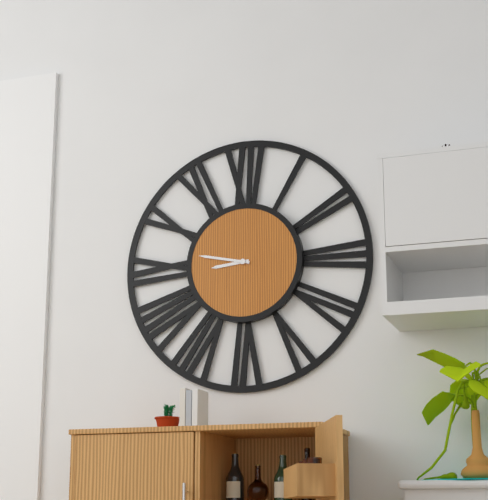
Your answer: **8:47**
